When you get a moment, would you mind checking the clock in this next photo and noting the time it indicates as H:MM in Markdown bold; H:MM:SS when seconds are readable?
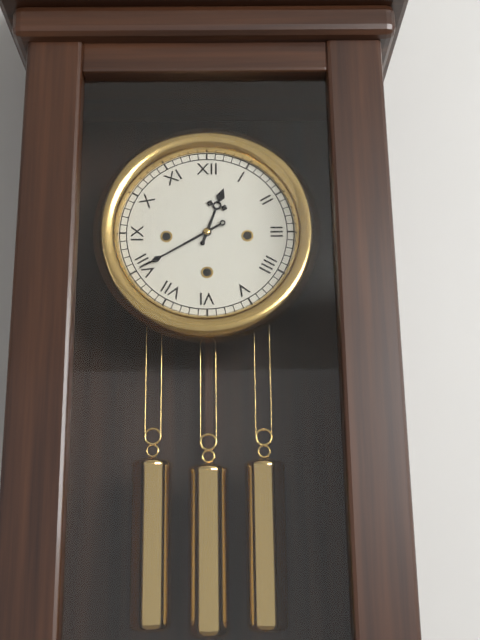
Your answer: **12:40**
